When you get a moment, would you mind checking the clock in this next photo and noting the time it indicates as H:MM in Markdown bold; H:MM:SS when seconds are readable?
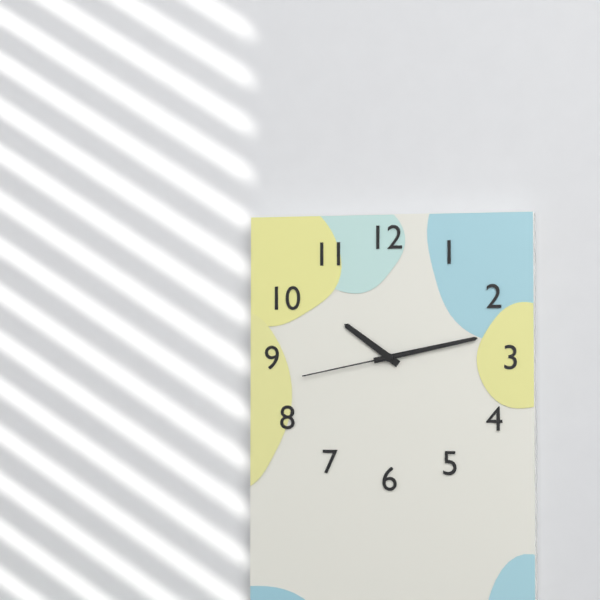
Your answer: **10:13:43**
